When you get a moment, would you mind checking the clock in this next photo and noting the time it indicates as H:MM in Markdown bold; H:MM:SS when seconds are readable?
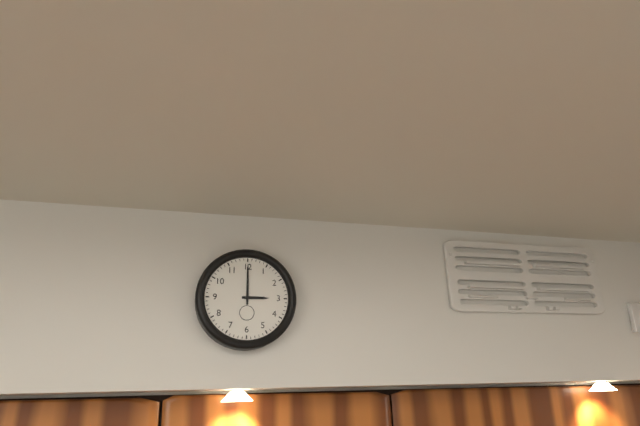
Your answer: **3:00**
